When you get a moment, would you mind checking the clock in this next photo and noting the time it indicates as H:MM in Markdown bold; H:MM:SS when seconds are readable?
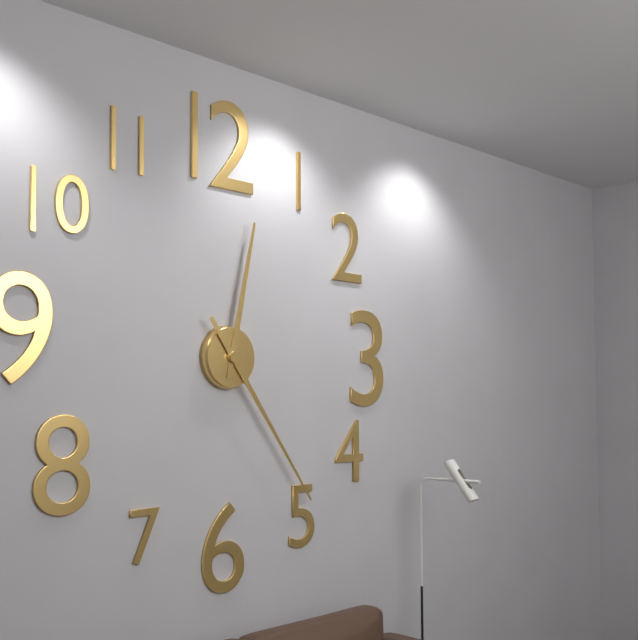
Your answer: **12:24**
